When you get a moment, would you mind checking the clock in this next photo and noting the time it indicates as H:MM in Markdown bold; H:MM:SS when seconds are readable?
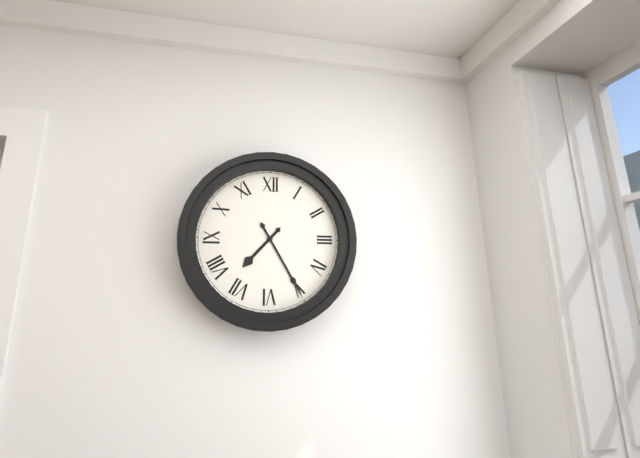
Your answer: **7:25**
